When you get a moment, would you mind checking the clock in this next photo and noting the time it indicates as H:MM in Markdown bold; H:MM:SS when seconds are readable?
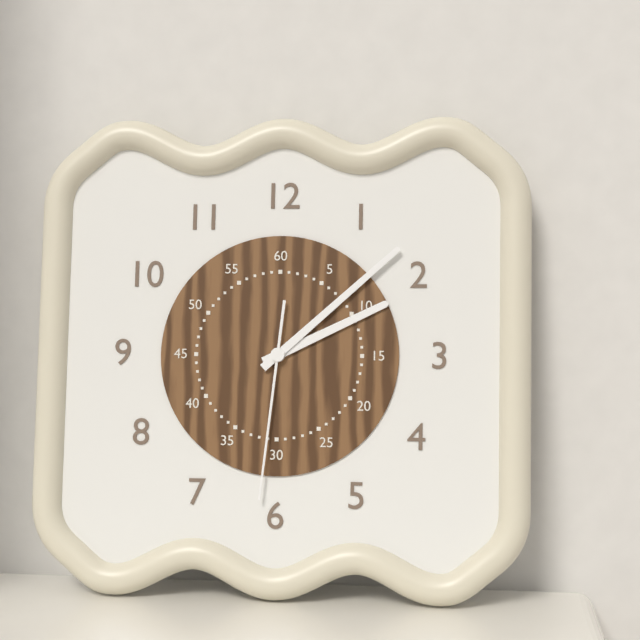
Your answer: **2:08:31**
